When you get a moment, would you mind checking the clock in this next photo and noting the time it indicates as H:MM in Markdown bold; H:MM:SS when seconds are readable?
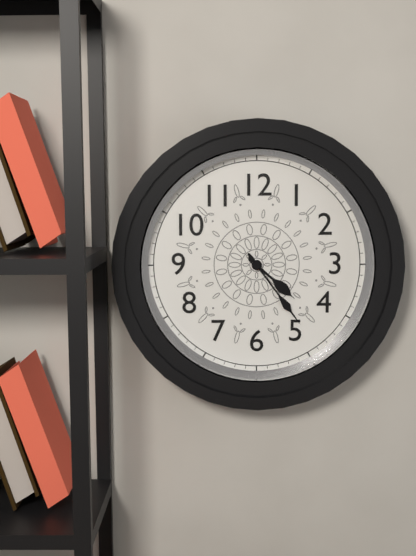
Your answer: **4:24**
